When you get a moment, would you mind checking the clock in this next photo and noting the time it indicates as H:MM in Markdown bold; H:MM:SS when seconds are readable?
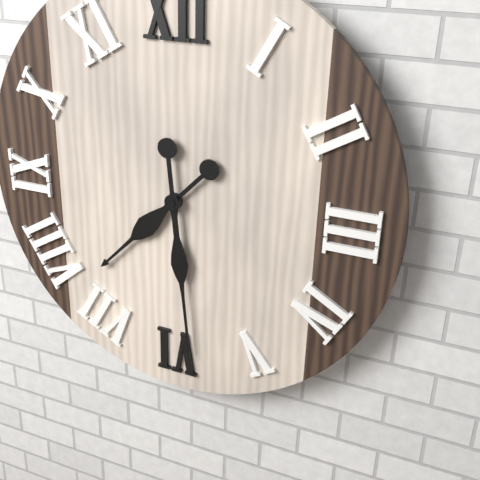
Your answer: **7:29**
